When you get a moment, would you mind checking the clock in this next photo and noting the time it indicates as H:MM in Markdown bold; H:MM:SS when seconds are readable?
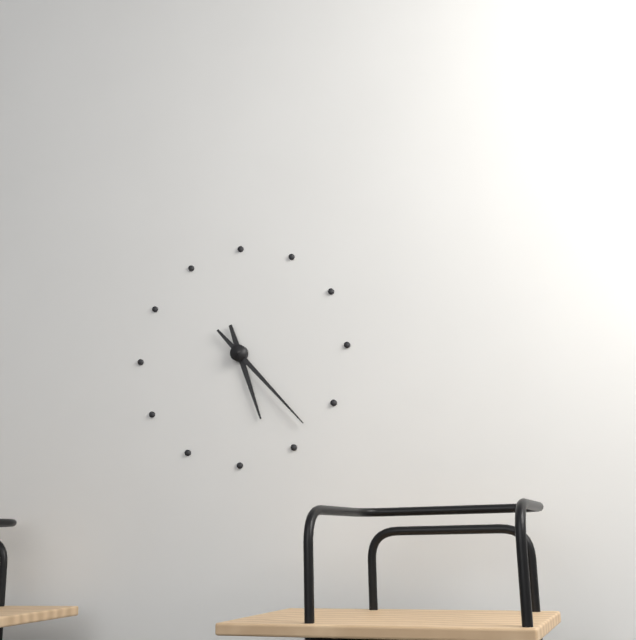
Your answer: **5:23**
